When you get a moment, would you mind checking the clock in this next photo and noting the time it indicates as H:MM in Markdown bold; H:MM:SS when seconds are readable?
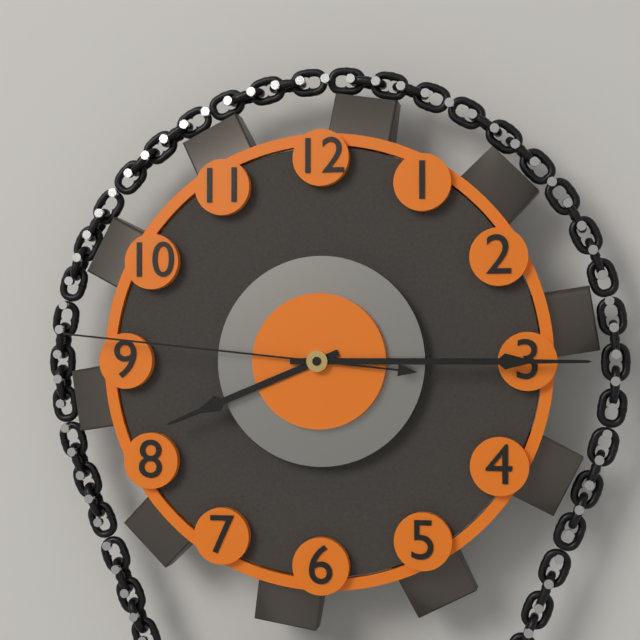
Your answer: **8:15:46**
